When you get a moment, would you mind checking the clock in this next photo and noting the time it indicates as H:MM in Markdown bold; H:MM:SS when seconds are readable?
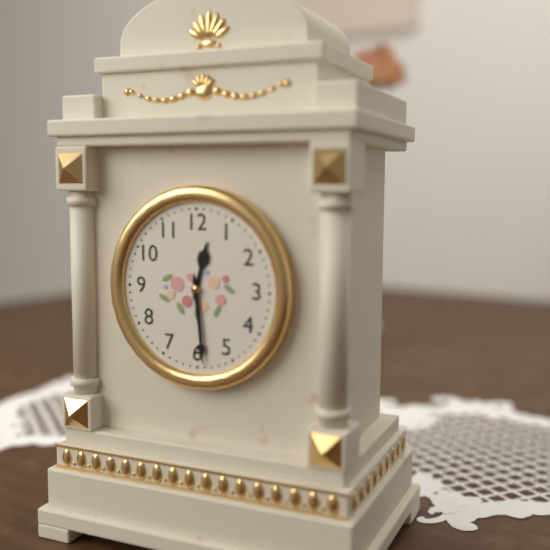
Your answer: **12:29**
